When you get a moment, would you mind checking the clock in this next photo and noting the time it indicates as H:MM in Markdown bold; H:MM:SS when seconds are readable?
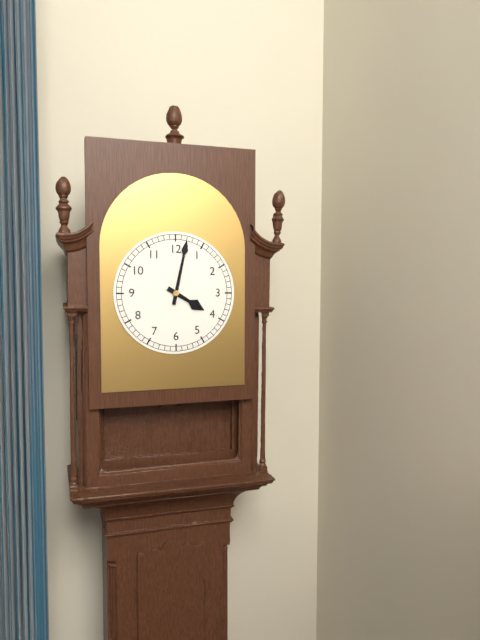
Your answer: **4:02**
